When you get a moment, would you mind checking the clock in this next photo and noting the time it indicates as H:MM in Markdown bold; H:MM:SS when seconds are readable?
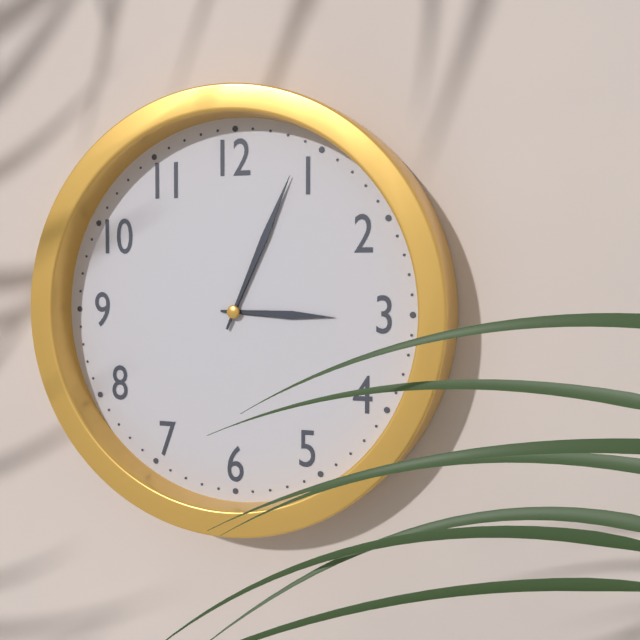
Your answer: **3:04**
